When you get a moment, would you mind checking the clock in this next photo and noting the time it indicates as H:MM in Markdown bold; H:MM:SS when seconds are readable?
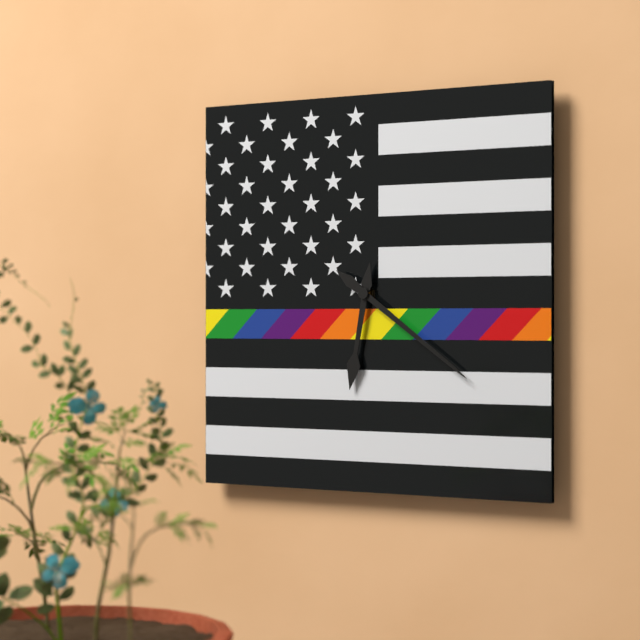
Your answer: **6:21**
